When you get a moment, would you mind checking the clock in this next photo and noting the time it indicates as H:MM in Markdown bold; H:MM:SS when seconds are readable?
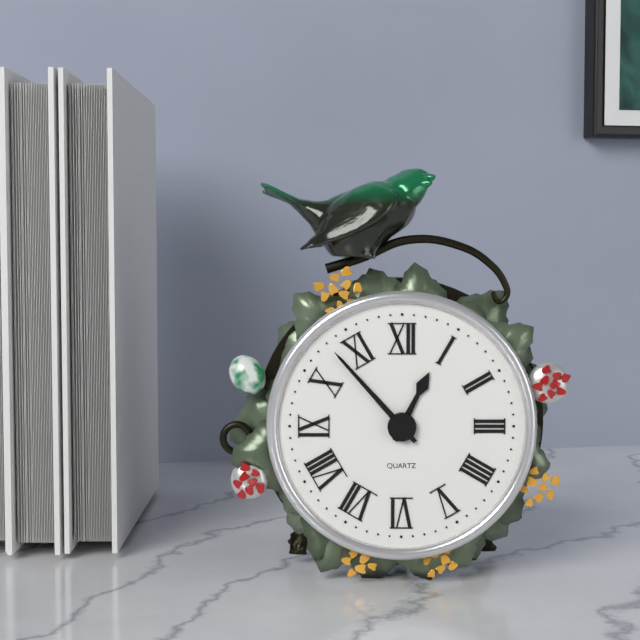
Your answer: **12:53**
